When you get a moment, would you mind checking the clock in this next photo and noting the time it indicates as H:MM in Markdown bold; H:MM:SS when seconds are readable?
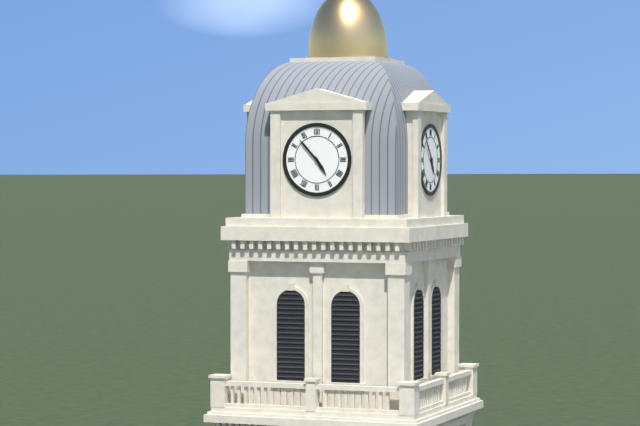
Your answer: **4:53**
